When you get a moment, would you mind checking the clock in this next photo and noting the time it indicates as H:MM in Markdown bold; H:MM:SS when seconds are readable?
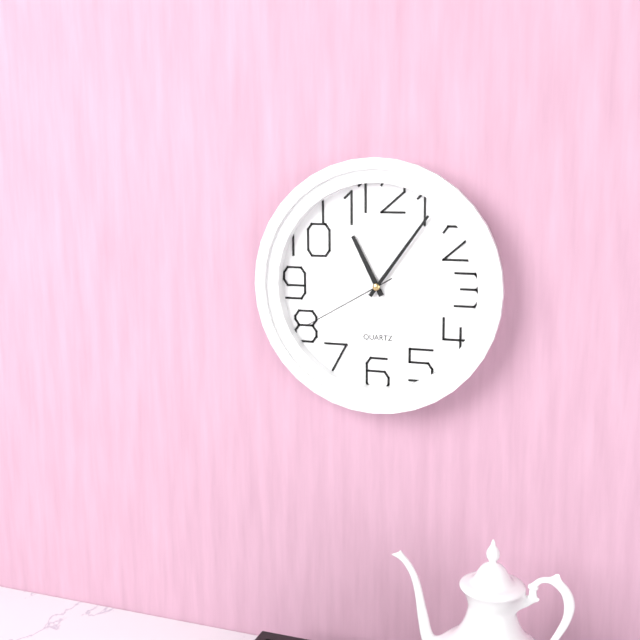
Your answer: **11:06:40**
